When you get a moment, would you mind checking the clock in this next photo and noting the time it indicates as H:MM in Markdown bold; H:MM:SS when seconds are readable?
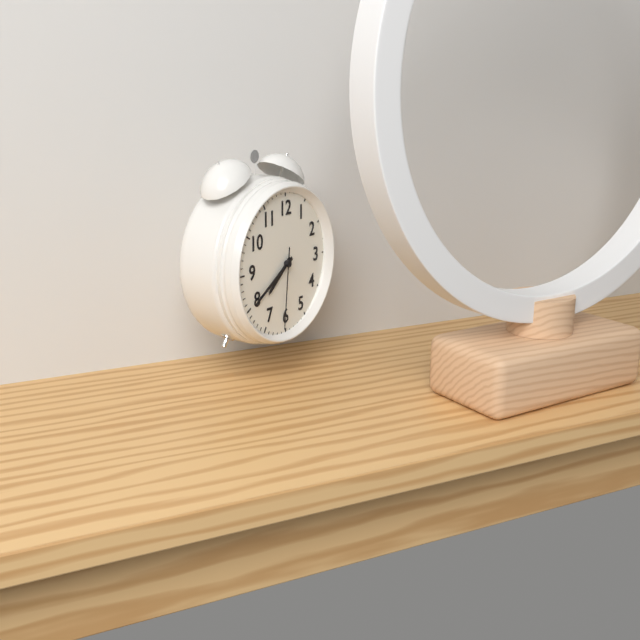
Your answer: **7:40:31**
